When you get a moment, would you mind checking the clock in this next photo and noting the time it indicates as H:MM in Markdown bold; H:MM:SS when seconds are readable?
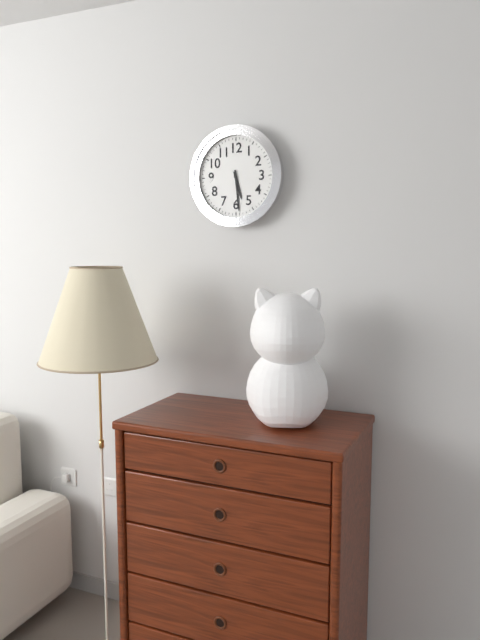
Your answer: **5:29**
